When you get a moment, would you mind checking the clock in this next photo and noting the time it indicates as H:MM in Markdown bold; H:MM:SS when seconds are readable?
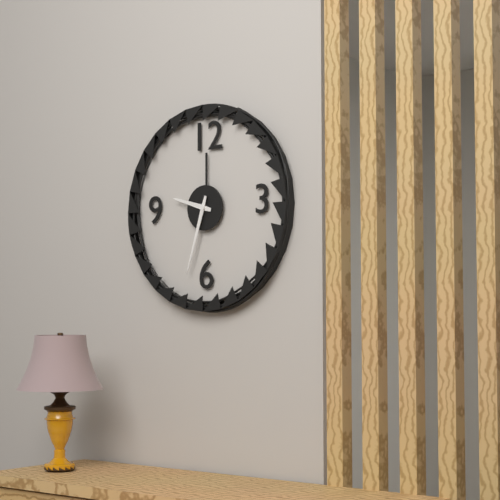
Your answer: **9:33**
